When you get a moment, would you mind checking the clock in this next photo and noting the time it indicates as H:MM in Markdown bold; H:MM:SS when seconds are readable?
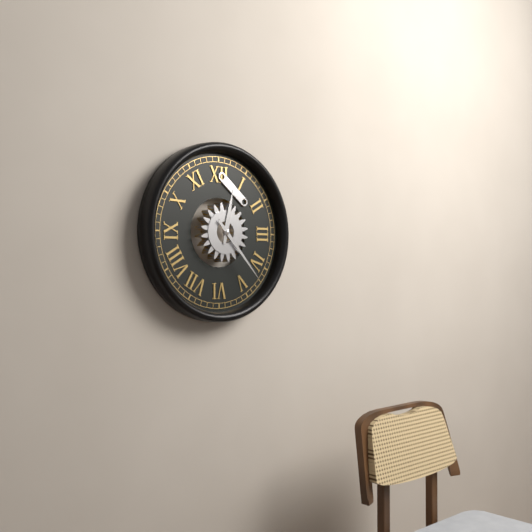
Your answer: **12:23**
